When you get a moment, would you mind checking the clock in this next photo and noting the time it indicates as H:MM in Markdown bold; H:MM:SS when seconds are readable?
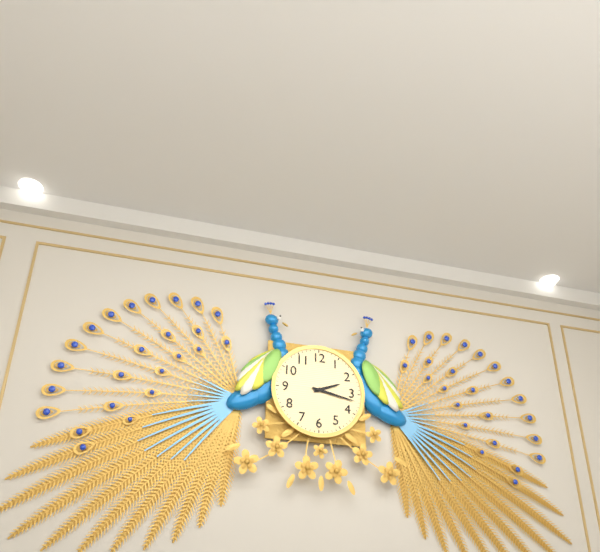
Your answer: **2:17**
